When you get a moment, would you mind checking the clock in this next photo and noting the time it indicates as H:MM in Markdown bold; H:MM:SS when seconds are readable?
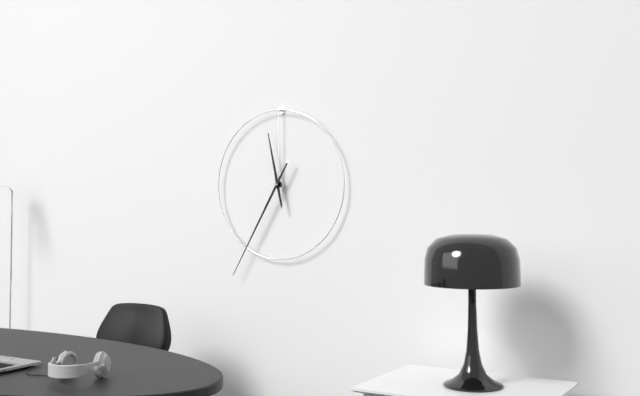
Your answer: **11:35**
